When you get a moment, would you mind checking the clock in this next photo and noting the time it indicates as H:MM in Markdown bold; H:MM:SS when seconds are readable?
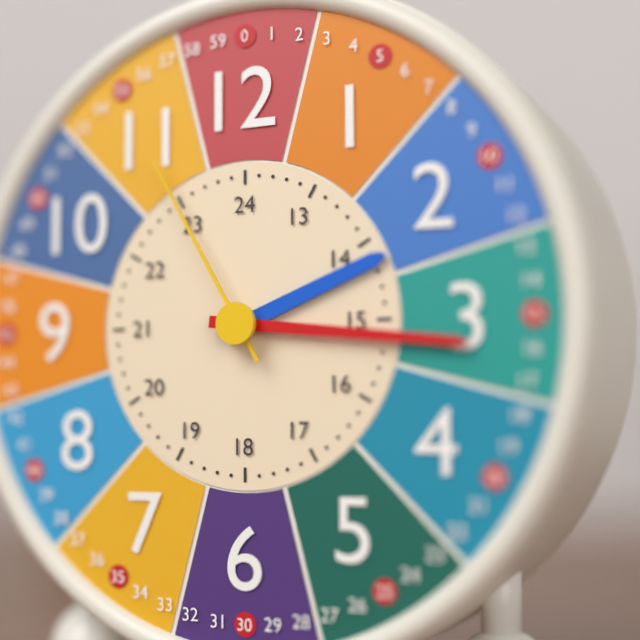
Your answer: **2:16:55**
